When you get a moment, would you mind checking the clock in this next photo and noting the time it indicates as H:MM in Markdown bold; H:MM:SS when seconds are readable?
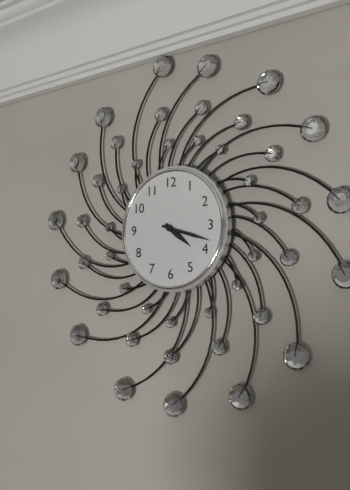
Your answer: **4:18**
